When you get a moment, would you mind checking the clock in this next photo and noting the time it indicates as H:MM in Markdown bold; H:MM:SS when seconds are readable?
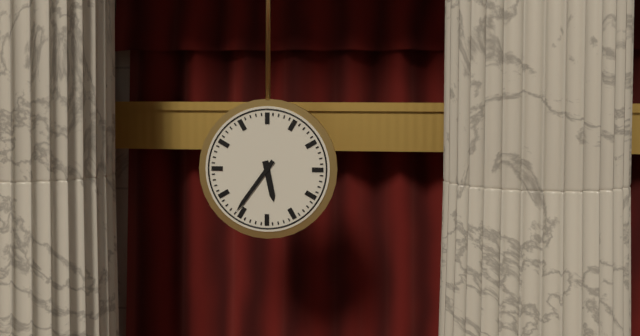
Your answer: **5:36**
